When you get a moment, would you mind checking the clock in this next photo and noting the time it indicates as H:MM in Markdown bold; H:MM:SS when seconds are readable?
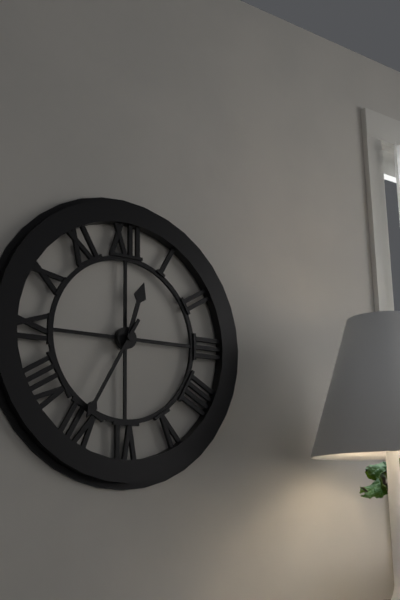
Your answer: **12:35**
